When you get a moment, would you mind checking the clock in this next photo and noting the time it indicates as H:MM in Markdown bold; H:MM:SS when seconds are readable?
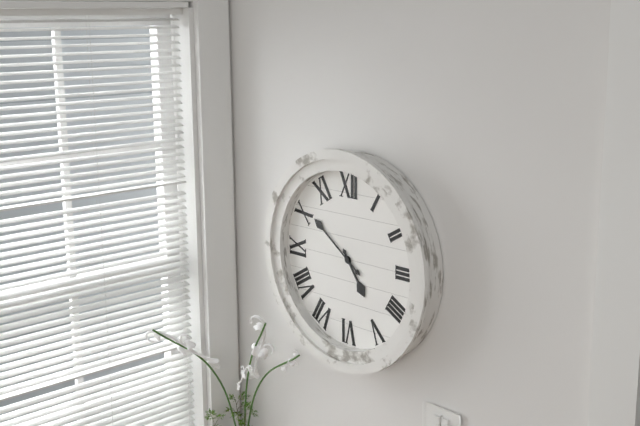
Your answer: **4:51**
